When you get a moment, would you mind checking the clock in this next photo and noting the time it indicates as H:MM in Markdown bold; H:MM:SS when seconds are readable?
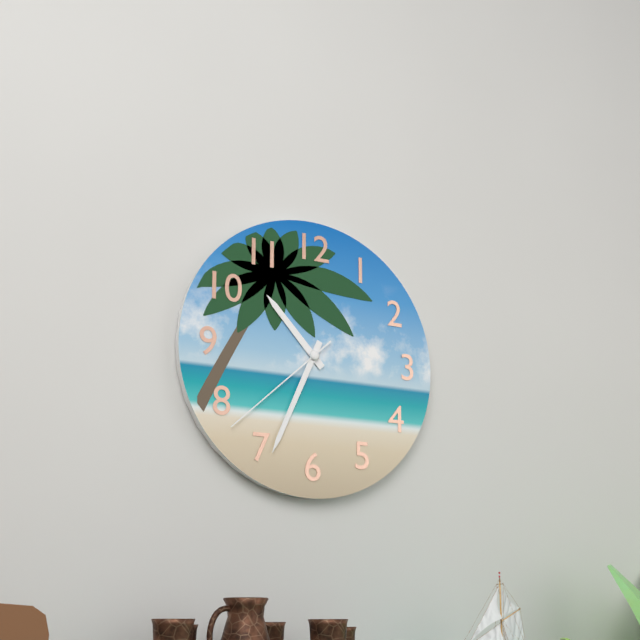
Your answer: **10:34:38**
